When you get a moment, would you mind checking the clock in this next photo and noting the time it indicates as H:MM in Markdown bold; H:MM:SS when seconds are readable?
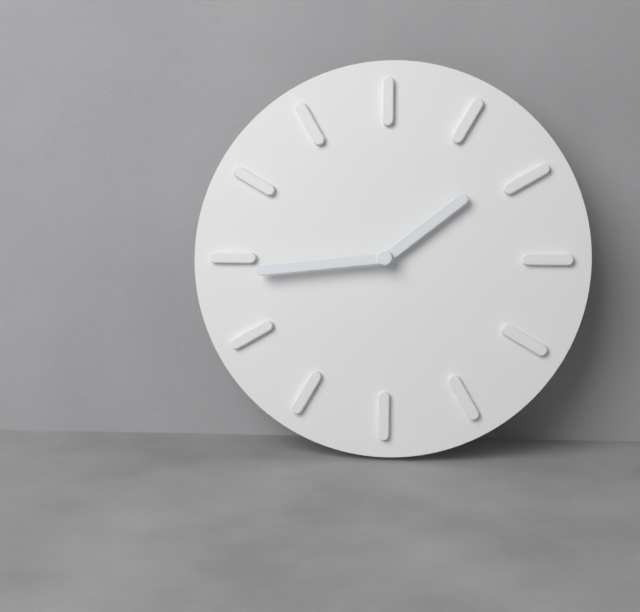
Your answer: **1:44**
